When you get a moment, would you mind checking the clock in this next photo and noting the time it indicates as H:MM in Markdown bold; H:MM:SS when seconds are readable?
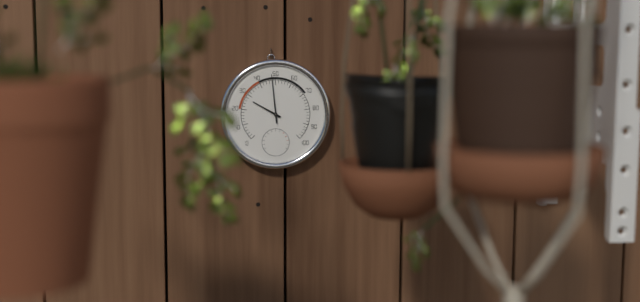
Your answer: **9:59**
